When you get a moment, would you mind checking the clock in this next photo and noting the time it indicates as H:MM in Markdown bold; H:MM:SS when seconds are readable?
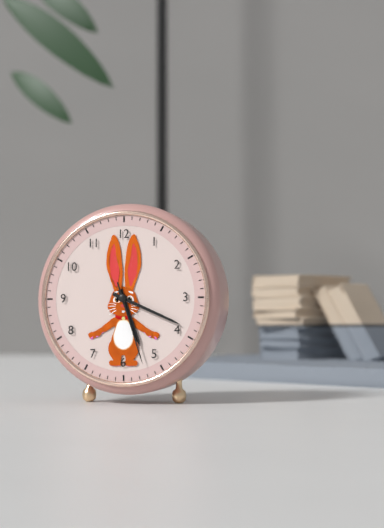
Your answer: **5:19:27**
